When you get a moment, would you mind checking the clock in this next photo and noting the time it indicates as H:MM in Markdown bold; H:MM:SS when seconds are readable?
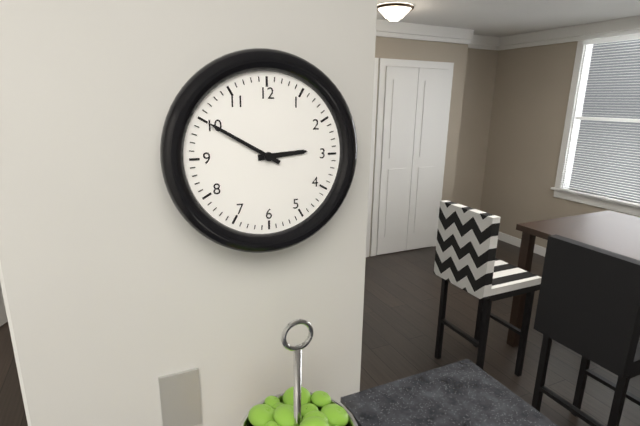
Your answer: **2:50**
